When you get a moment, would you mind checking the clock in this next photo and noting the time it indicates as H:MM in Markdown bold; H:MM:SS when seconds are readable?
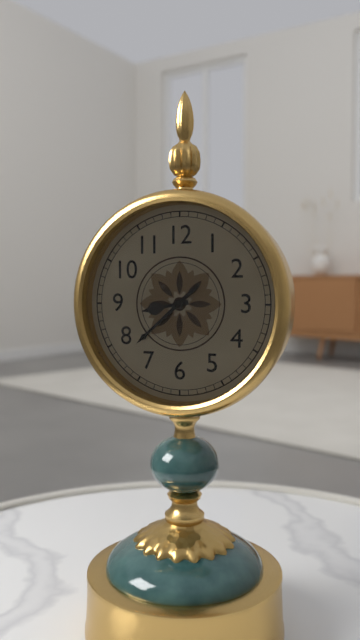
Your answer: **8:38**
